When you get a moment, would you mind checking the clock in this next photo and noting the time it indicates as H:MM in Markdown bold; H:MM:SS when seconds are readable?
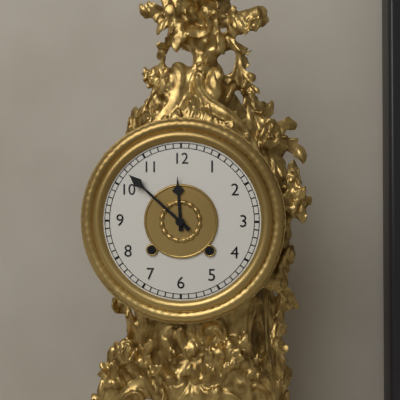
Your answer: **11:52**
